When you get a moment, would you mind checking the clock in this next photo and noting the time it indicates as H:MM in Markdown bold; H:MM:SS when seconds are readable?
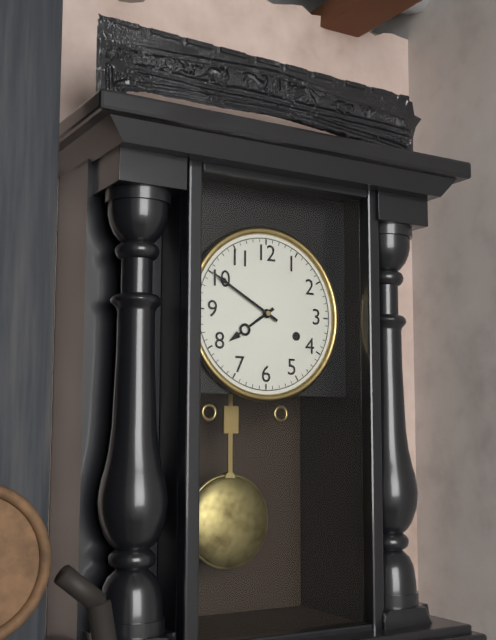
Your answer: **7:50**
